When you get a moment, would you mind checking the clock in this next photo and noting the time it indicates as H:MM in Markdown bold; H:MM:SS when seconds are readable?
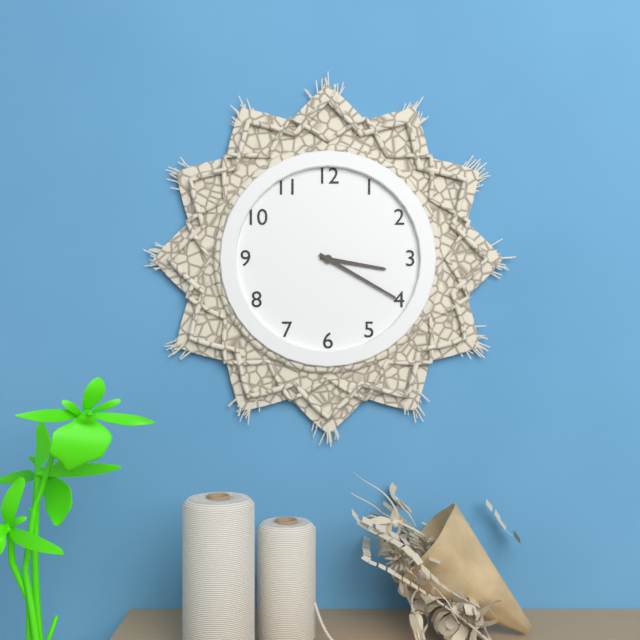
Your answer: **3:20**
